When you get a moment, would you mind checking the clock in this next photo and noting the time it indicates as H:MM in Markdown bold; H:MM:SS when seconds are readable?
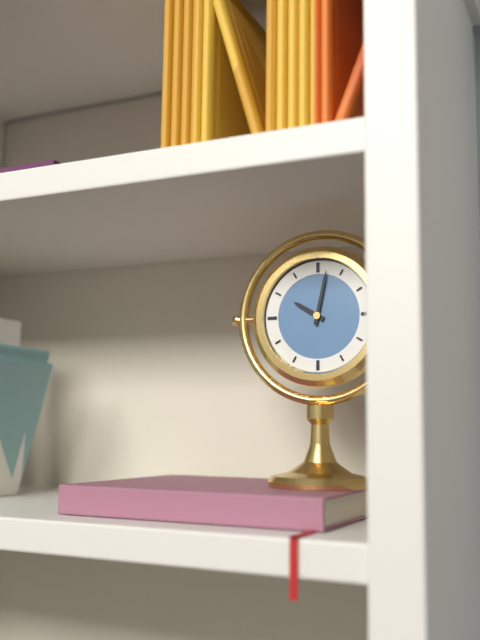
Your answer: **10:02**
